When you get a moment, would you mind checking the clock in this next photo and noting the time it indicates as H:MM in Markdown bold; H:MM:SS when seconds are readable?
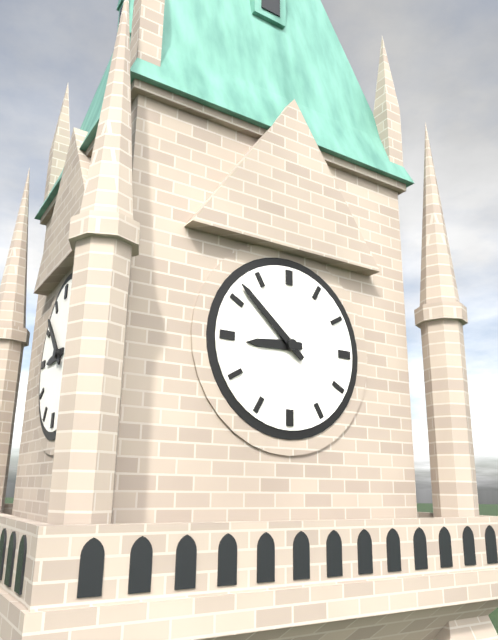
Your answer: **8:52**
